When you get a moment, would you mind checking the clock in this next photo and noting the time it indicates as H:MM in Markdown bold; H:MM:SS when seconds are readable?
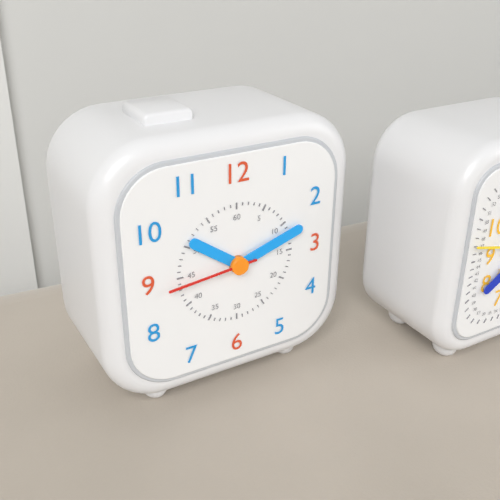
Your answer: **10:12:44**
